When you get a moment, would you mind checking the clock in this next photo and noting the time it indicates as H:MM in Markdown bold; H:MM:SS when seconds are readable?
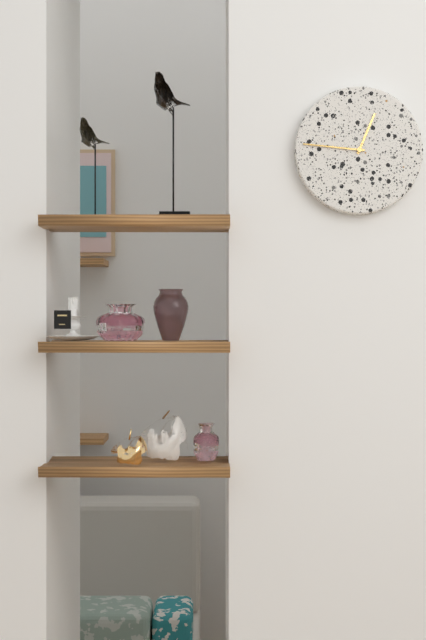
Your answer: **12:46**
